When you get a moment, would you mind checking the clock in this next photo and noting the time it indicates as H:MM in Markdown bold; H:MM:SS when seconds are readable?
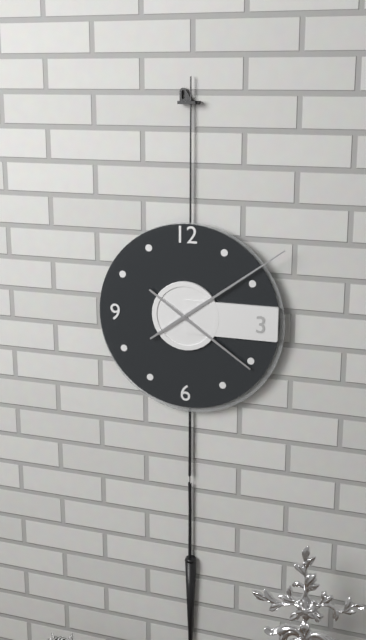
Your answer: **4:09**
